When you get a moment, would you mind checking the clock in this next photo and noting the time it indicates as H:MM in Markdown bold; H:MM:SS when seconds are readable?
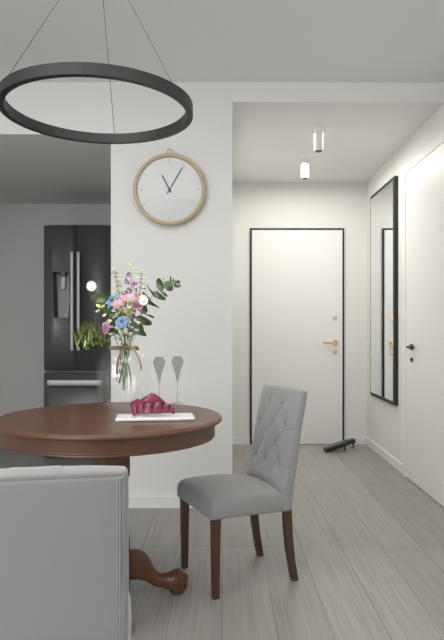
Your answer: **11:05**
